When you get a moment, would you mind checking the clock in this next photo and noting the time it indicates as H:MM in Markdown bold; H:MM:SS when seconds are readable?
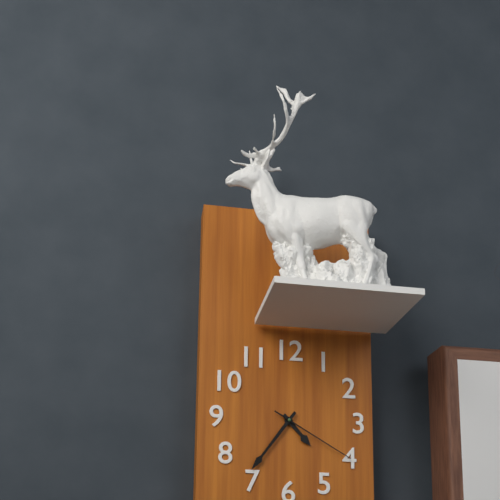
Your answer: **4:36:20**
